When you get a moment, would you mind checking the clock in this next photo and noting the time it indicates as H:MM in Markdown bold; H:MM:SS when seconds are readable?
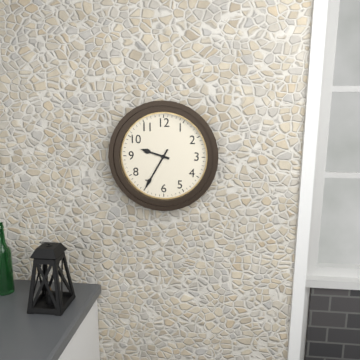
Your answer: **9:35**
